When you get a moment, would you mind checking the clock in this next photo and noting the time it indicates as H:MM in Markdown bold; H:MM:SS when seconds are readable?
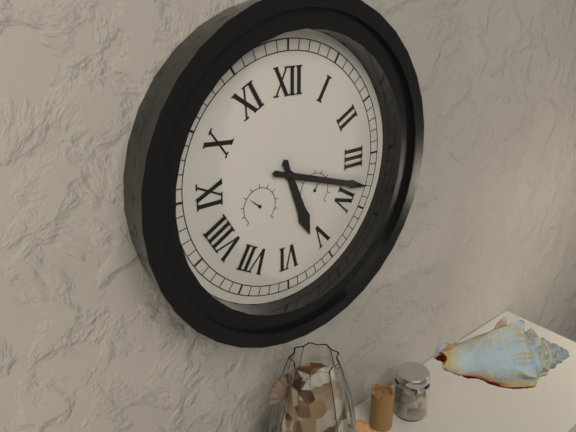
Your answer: **5:18**
